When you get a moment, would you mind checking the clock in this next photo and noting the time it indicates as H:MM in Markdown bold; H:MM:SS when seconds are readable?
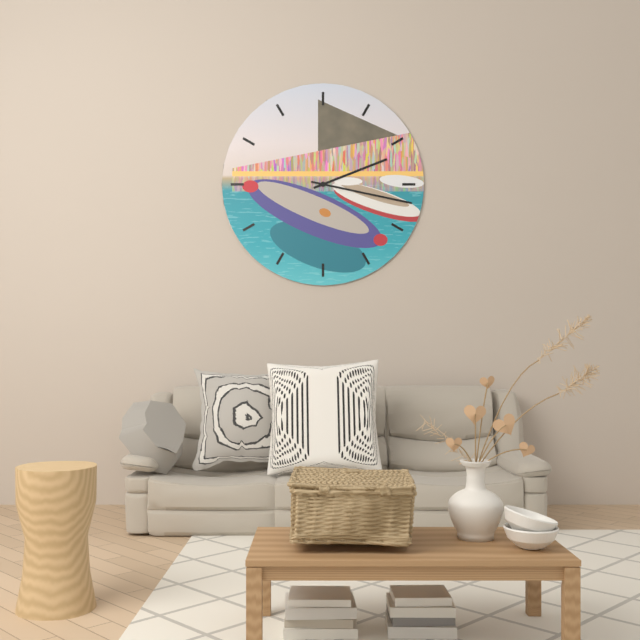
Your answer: **2:17**
